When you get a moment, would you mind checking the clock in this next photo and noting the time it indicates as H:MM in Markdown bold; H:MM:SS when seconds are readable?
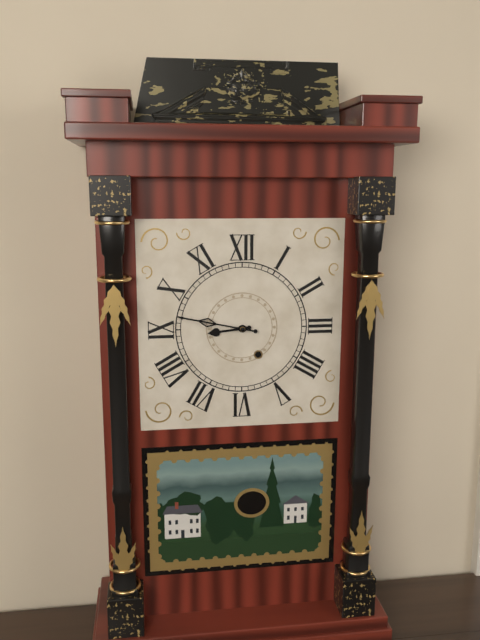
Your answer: **8:47**
